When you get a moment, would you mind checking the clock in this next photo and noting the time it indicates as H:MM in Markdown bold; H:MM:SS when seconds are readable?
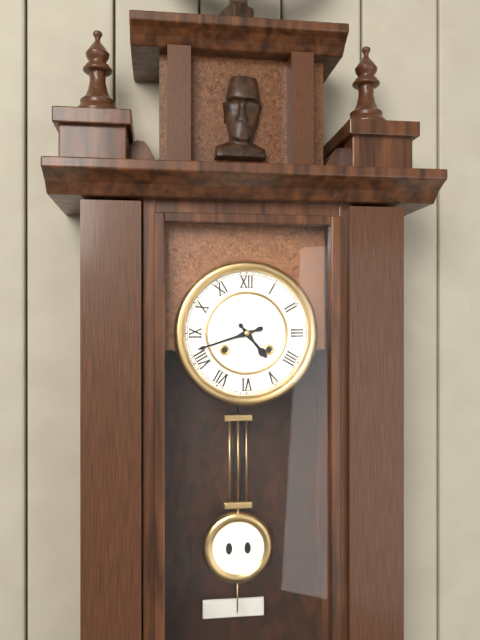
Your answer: **4:42**
